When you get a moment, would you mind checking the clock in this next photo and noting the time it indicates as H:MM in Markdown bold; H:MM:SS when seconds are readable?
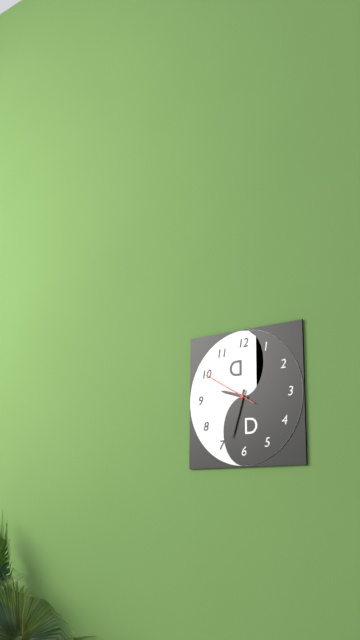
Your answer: **9:33:50**
